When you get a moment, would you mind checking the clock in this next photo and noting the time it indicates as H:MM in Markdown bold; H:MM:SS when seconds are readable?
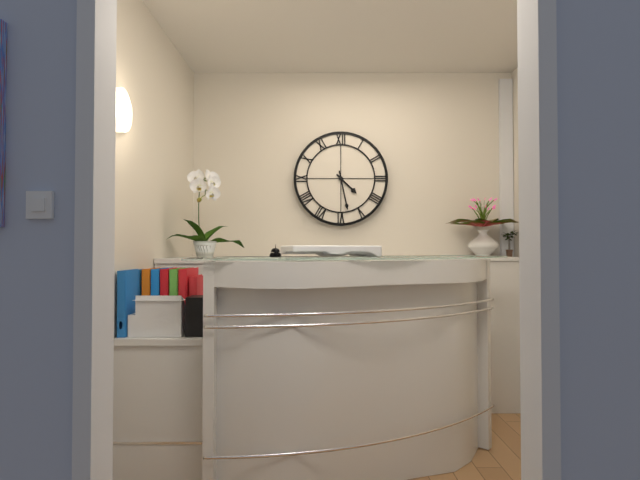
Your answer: **4:28**
